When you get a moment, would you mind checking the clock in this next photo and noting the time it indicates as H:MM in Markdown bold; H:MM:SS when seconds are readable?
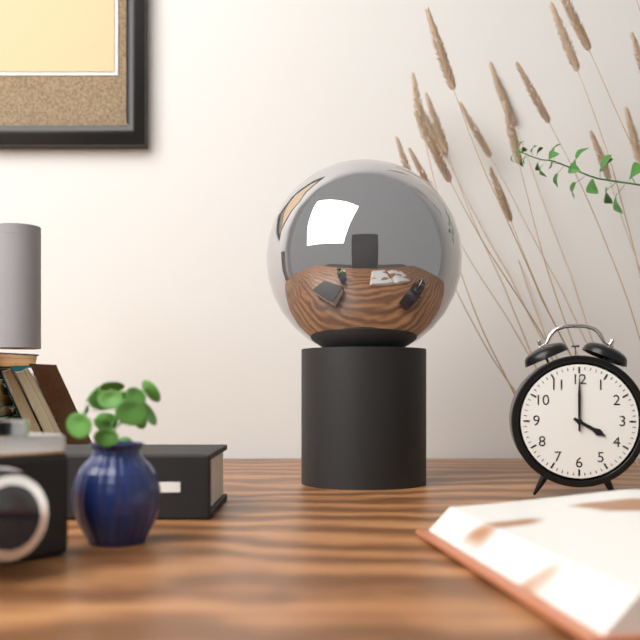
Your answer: **4:00**
